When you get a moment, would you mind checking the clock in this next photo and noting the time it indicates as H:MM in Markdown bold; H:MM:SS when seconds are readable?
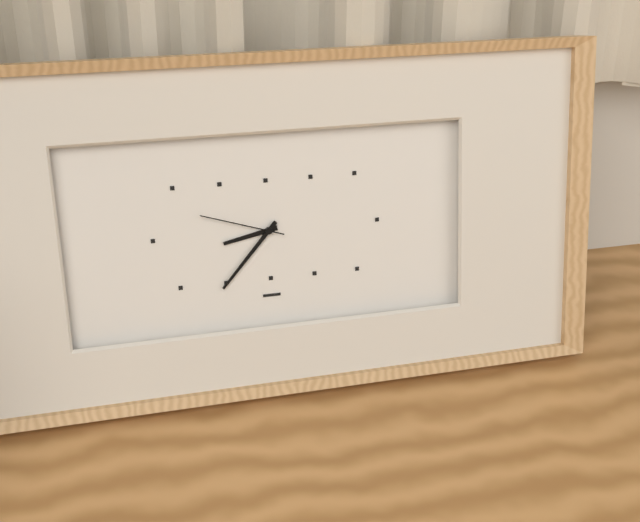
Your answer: **8:37:48**
